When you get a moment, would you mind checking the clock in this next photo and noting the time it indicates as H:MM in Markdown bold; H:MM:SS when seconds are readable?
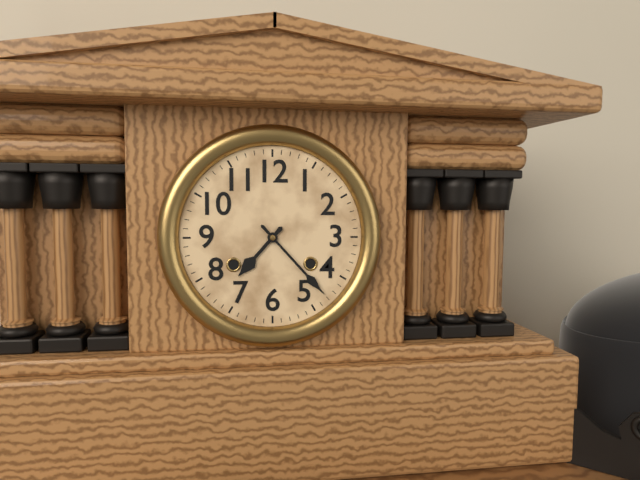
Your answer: **7:23**
